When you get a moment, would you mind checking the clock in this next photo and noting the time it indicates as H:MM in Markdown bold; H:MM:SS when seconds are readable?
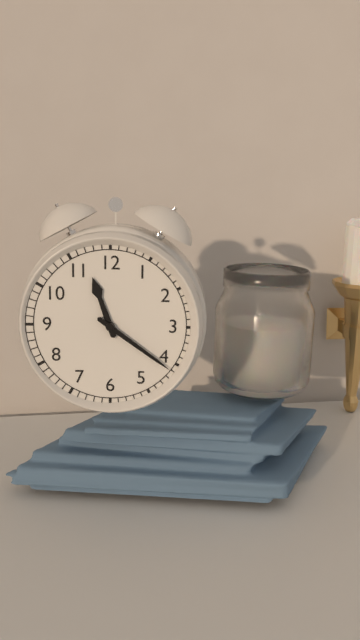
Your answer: **11:21**
